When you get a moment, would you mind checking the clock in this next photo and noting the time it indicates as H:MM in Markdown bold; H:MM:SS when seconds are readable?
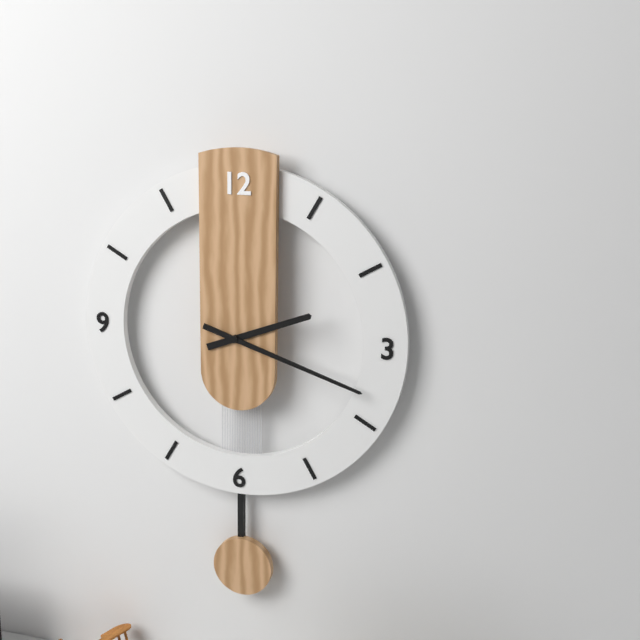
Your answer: **2:18**
